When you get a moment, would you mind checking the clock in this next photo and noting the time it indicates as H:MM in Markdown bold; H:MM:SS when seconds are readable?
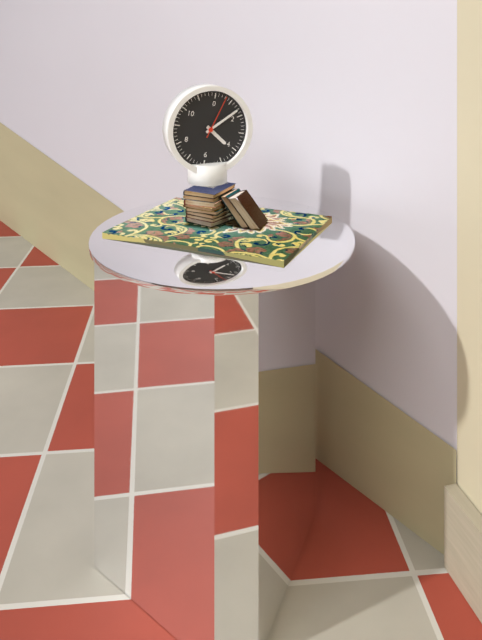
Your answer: **4:08**
